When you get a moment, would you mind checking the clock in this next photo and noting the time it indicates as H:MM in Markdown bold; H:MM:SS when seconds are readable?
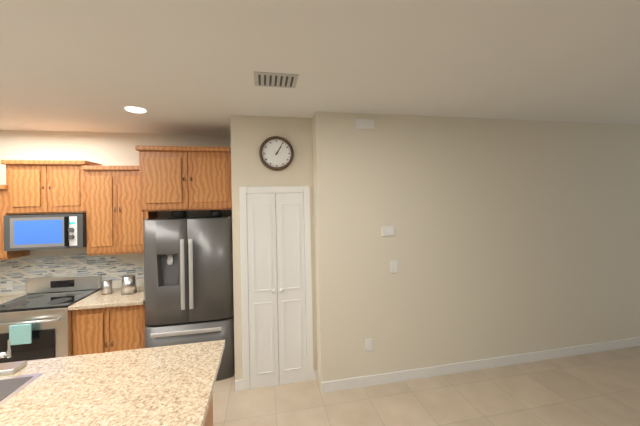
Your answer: **1:05**
